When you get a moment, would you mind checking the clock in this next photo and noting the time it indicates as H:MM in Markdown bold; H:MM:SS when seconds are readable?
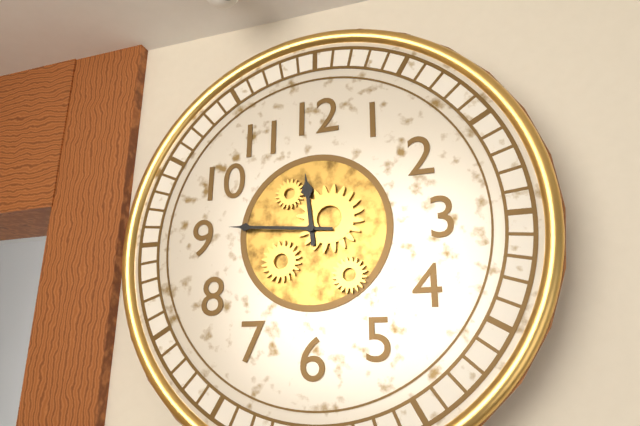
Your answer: **11:46**
